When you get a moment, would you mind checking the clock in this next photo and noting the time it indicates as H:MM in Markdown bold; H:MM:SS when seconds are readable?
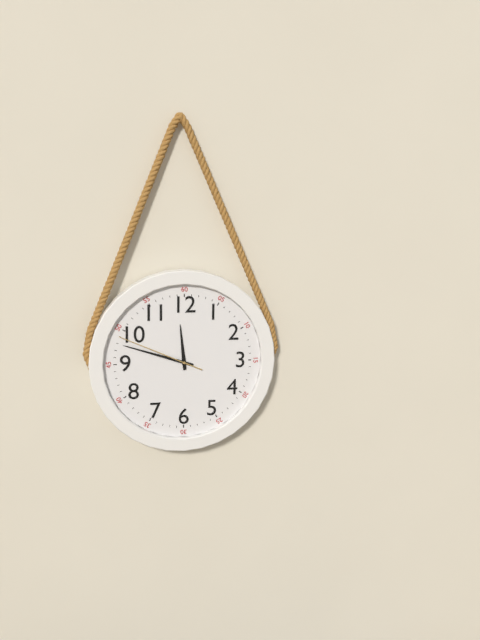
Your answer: **11:48:49**
